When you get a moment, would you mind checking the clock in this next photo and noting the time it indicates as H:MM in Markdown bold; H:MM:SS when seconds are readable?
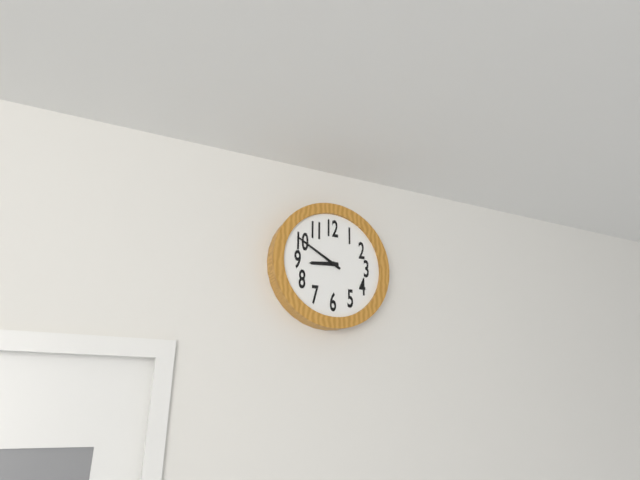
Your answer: **8:50**
